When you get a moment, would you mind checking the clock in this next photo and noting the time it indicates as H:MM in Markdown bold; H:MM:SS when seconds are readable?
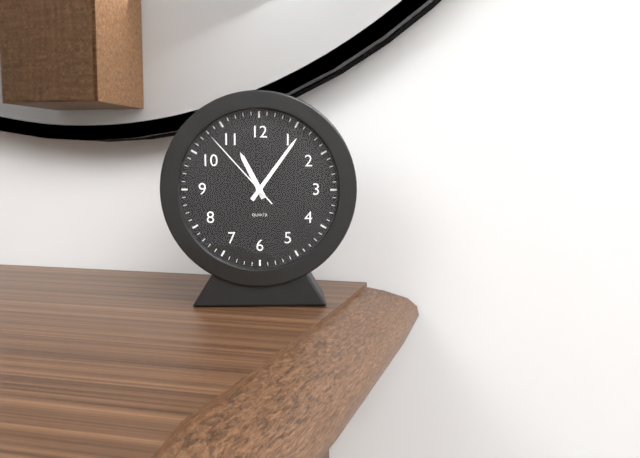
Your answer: **11:06:53**
